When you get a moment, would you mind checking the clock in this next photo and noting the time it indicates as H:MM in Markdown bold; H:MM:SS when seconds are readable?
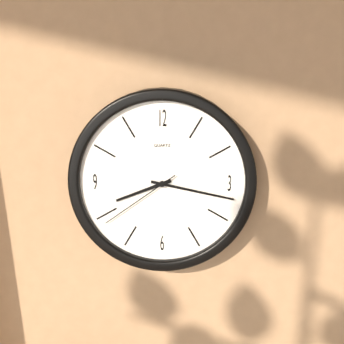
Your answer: **8:17:39**
